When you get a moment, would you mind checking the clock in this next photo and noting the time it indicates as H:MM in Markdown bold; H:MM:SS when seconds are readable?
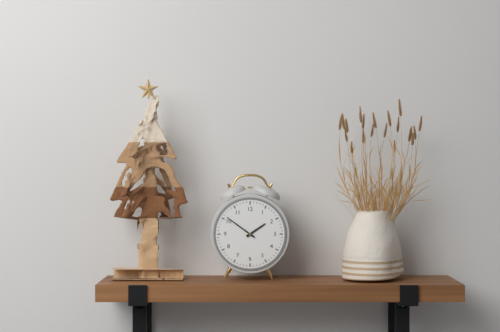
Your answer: **1:51**
